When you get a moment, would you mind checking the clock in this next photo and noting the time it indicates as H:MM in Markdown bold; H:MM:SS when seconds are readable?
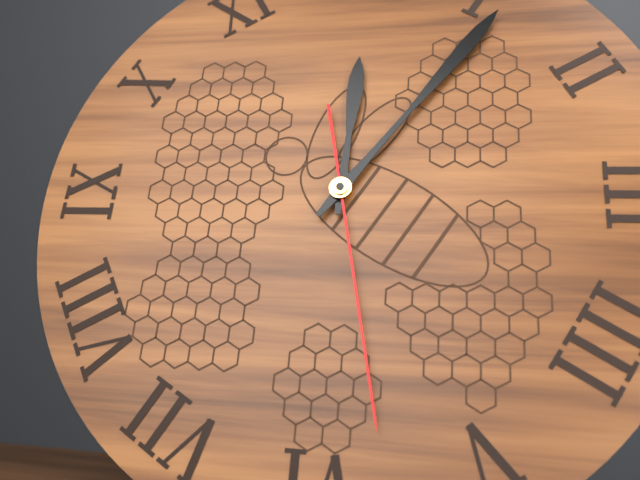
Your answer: **12:06:28**
